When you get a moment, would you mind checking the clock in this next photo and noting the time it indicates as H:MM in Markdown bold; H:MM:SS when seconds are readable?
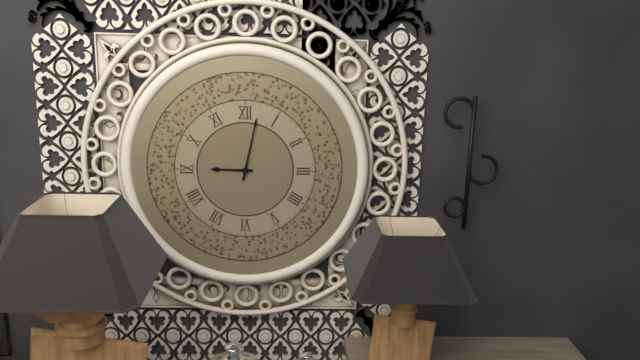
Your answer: **9:02**
